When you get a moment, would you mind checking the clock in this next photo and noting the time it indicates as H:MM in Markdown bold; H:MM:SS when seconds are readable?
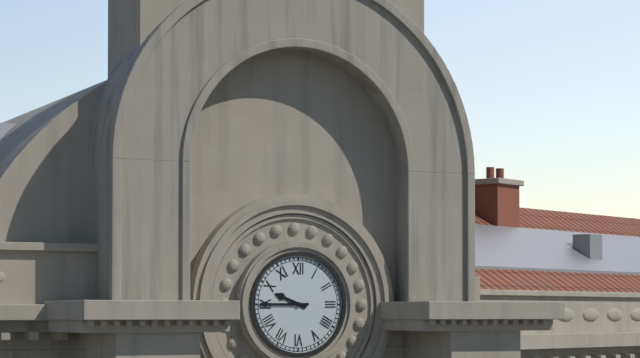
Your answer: **9:45**
